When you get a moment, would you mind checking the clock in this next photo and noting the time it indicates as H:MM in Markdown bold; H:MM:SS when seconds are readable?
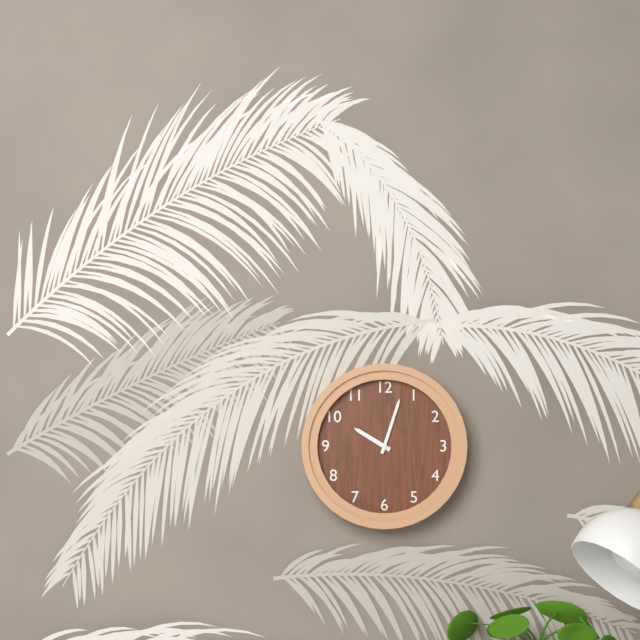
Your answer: **10:03**
